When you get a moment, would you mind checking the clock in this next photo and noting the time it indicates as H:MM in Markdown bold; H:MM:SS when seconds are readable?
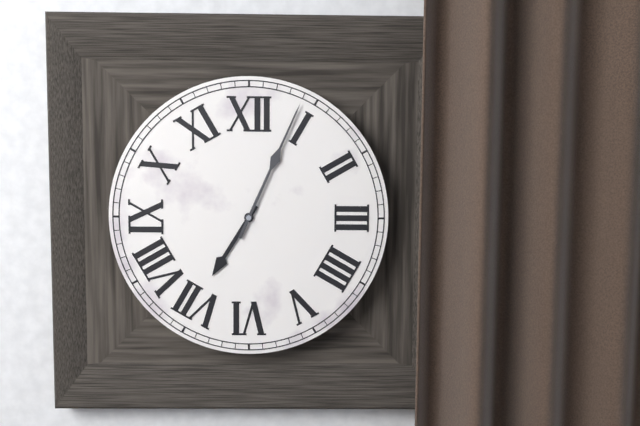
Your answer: **7:04**
